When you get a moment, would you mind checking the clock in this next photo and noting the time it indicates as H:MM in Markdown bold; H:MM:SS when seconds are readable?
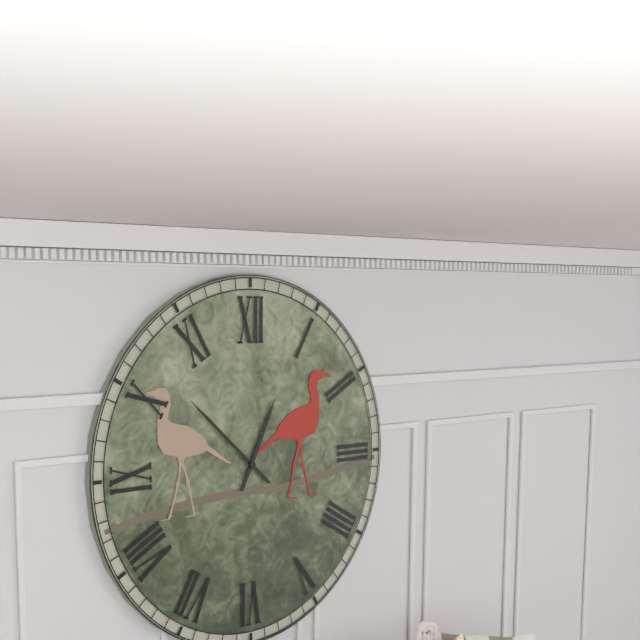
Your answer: **12:52**
